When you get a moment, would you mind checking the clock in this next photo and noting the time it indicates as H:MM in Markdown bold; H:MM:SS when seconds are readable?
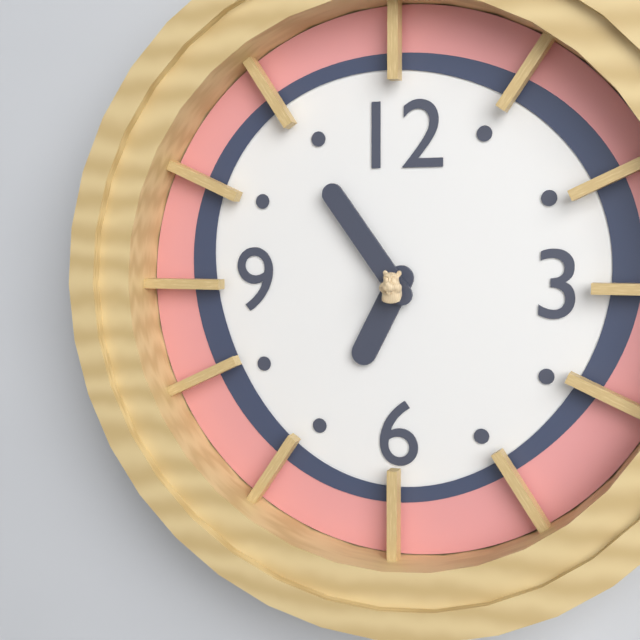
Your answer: **6:54**
